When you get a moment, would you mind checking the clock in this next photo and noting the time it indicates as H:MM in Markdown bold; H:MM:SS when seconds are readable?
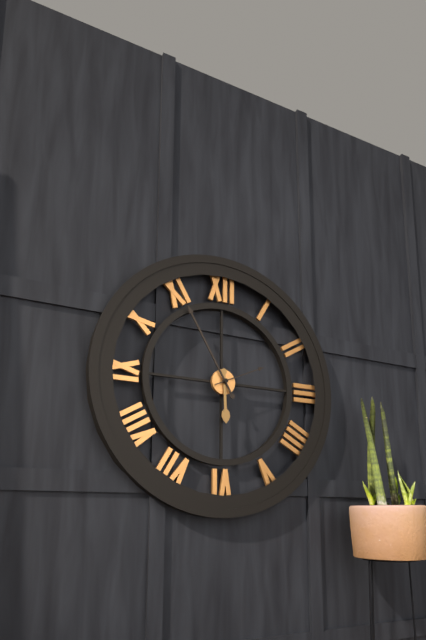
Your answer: **5:55:11**
